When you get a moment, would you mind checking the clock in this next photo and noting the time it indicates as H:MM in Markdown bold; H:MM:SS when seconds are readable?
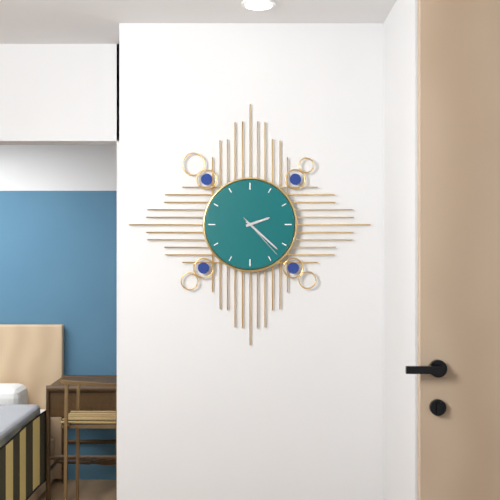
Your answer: **2:22:23**
